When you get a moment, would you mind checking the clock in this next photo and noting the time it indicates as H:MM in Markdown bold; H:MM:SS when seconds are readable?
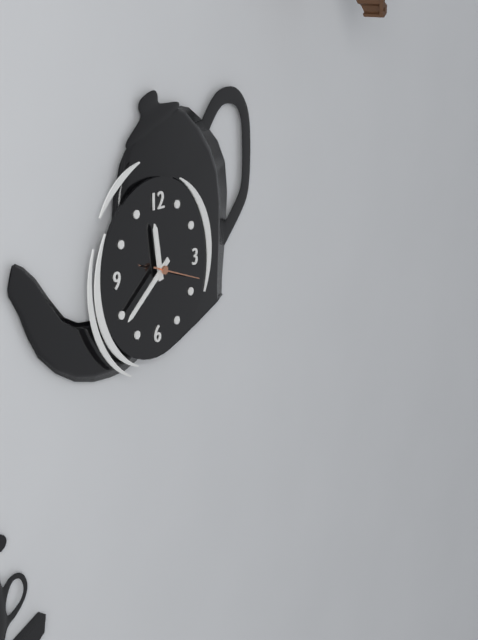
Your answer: **11:39**
